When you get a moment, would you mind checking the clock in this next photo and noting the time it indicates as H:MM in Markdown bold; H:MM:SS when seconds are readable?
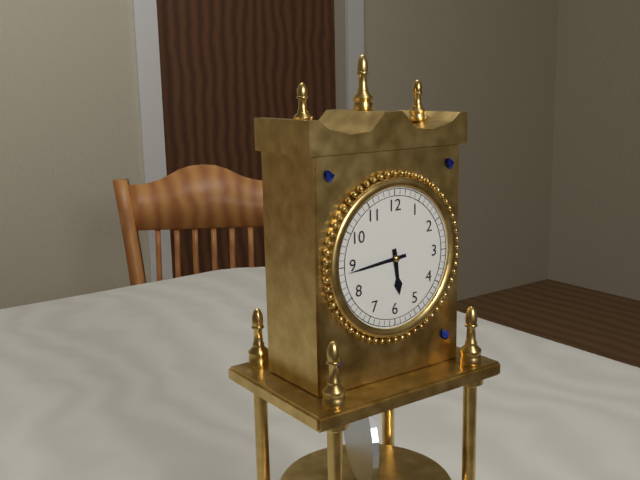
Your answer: **5:44**
